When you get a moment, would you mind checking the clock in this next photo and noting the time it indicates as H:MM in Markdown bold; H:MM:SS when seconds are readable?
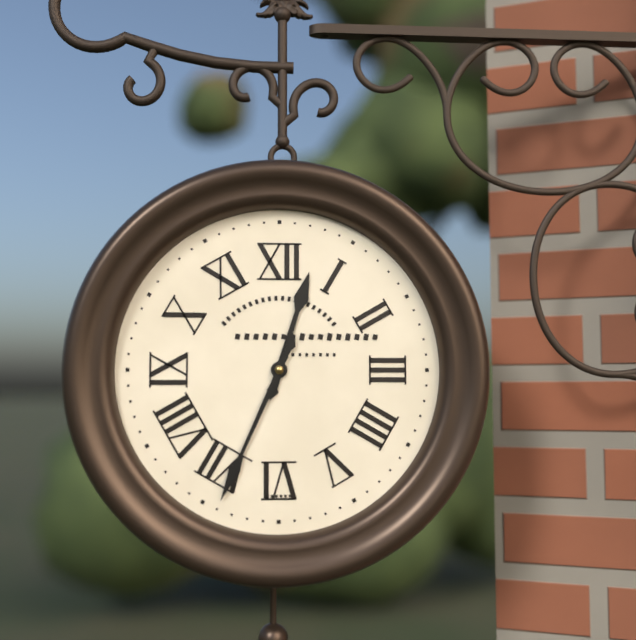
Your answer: **12:34**
